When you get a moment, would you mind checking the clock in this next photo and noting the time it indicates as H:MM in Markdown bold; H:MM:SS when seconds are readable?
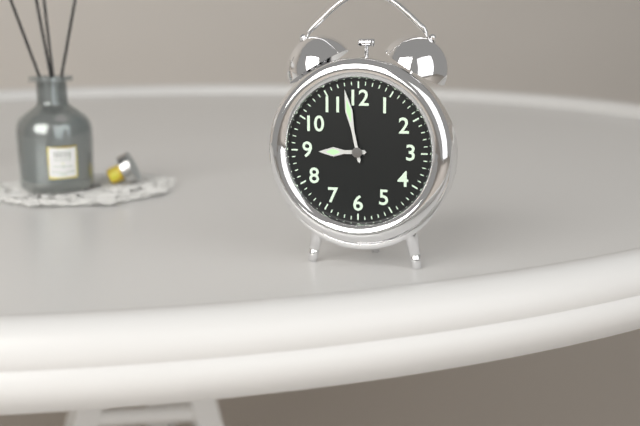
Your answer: **8:58**
